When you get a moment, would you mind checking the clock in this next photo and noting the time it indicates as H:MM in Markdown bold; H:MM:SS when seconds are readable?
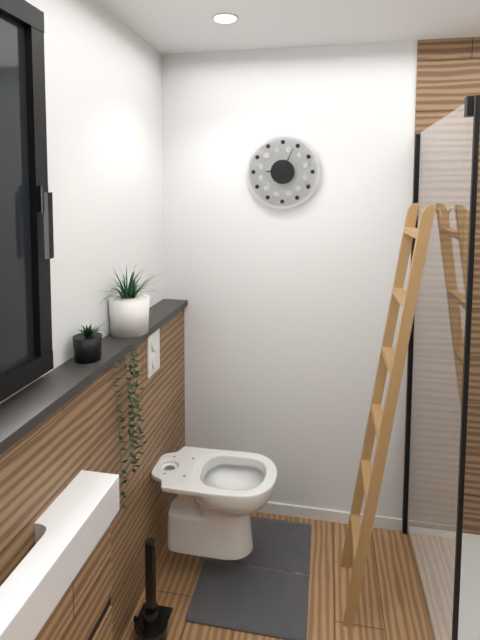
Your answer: **9:04**
